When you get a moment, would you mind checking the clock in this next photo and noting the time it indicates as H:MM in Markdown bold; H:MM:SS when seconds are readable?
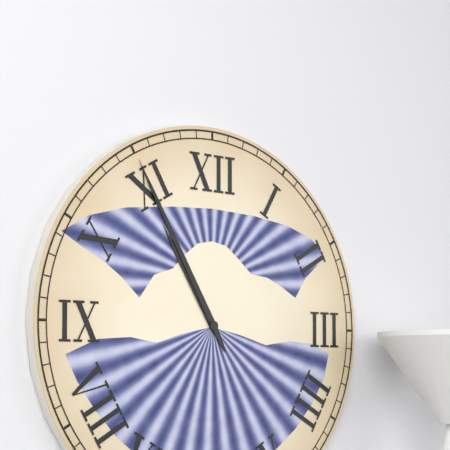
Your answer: **10:55**
